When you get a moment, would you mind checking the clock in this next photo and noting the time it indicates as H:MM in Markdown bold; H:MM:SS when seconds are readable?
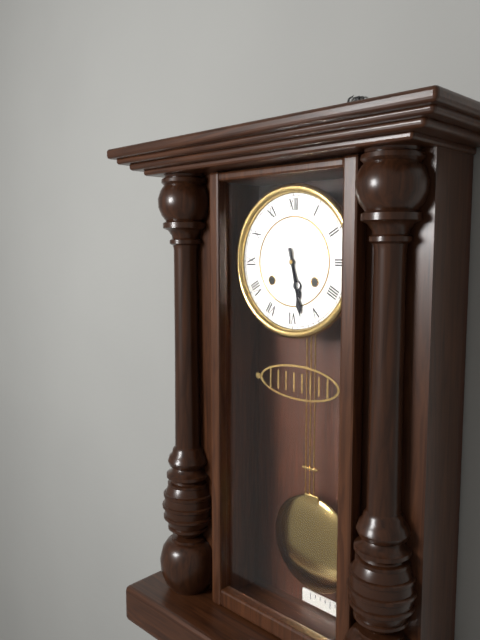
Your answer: **5:28**
